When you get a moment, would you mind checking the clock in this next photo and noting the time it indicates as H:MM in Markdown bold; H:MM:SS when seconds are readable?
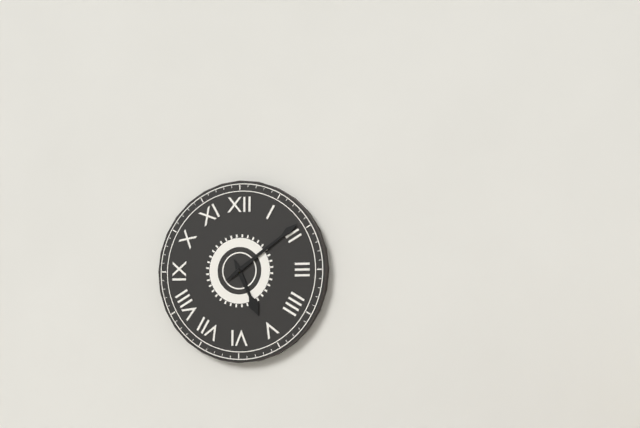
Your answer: **5:09**
